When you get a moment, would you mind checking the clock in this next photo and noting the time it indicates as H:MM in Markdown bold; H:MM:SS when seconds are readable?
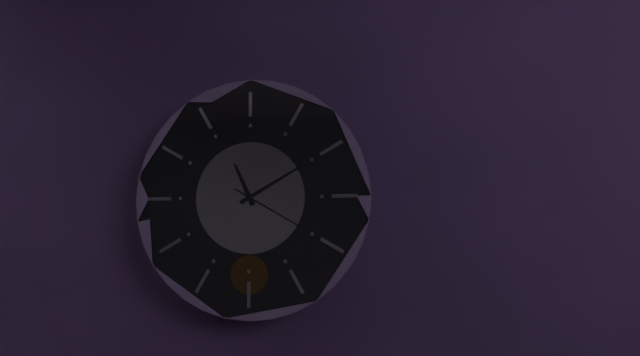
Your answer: **11:10:20**
